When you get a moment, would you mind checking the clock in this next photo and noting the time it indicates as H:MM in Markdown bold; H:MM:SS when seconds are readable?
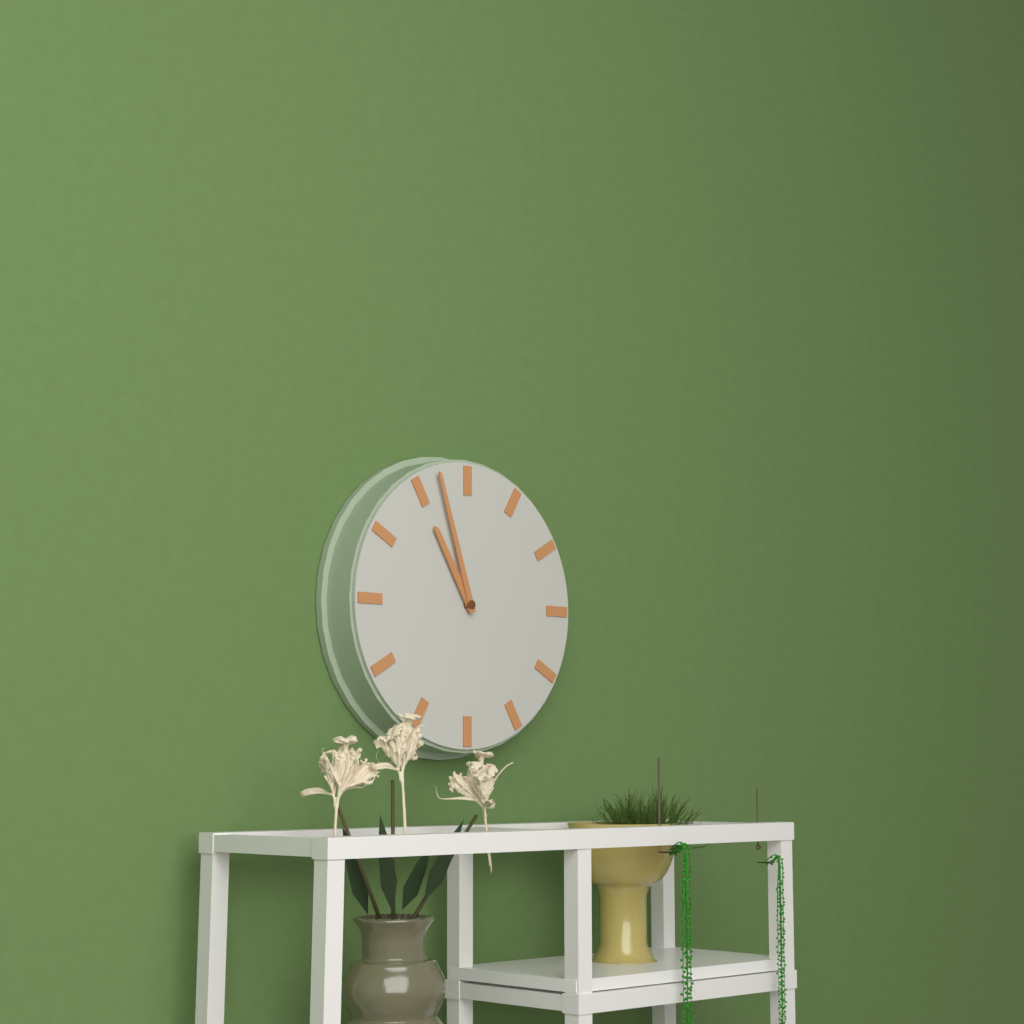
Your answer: **10:57**
